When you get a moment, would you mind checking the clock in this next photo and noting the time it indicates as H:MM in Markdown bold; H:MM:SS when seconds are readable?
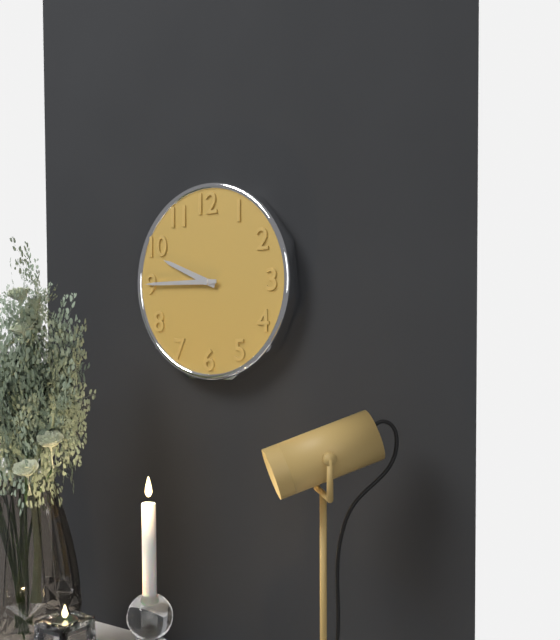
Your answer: **9:45**
